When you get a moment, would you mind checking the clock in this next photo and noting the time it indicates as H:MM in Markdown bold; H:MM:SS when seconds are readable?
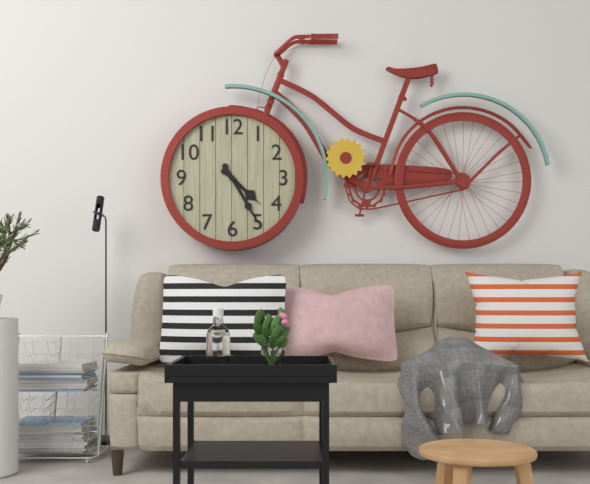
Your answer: **4:25**
